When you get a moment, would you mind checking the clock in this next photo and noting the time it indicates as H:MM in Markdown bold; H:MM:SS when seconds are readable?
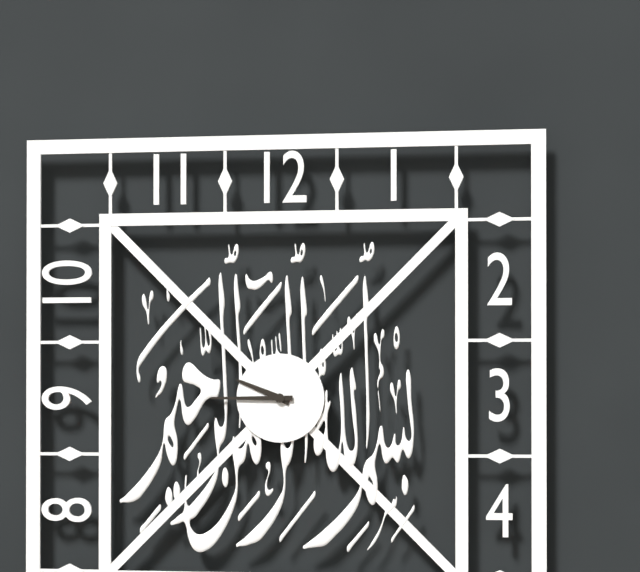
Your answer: **9:45**
